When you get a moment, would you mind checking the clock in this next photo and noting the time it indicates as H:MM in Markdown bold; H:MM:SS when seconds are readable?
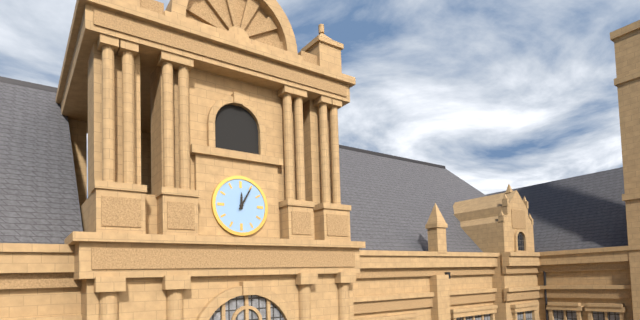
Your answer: **12:05**
